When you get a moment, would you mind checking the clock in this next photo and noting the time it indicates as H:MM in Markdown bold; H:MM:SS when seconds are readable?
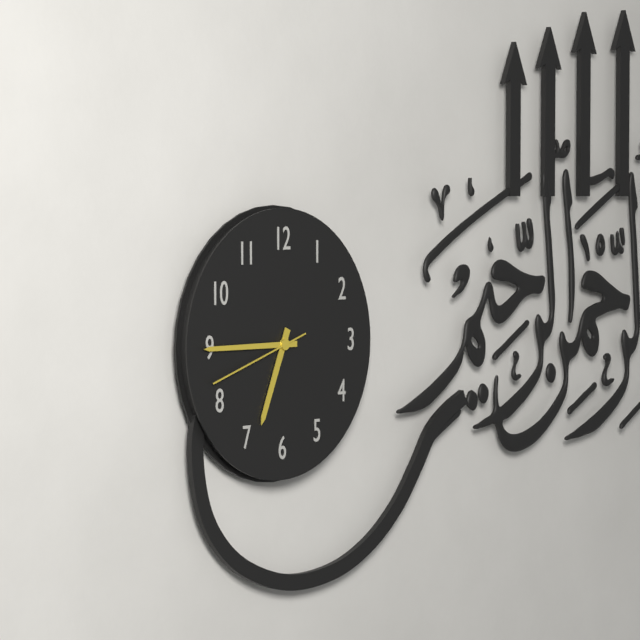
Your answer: **6:45:42**
